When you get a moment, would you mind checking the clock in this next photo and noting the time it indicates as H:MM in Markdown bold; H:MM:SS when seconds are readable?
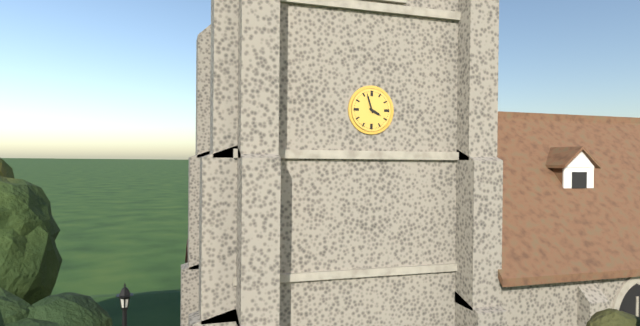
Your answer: **3:57**
